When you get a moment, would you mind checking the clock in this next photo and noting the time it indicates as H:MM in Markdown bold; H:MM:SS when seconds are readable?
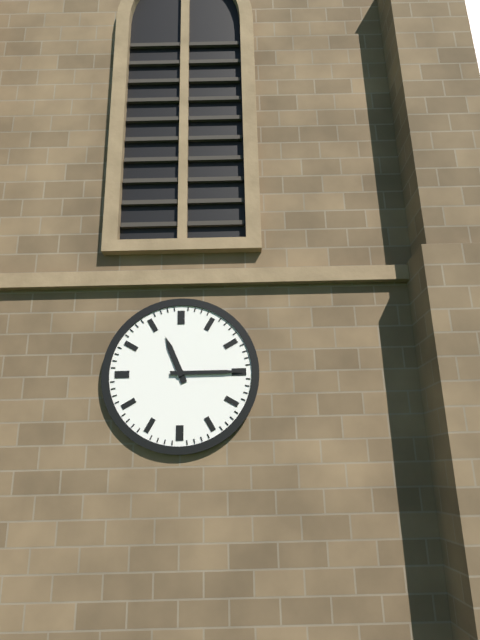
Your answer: **11:15**
